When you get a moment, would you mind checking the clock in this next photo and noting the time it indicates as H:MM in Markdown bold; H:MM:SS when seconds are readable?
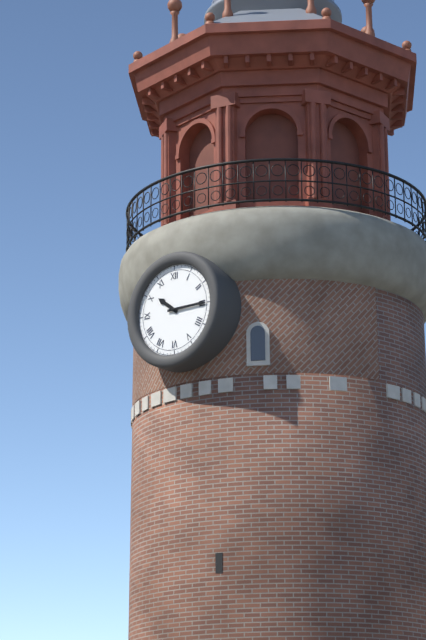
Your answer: **10:15**
